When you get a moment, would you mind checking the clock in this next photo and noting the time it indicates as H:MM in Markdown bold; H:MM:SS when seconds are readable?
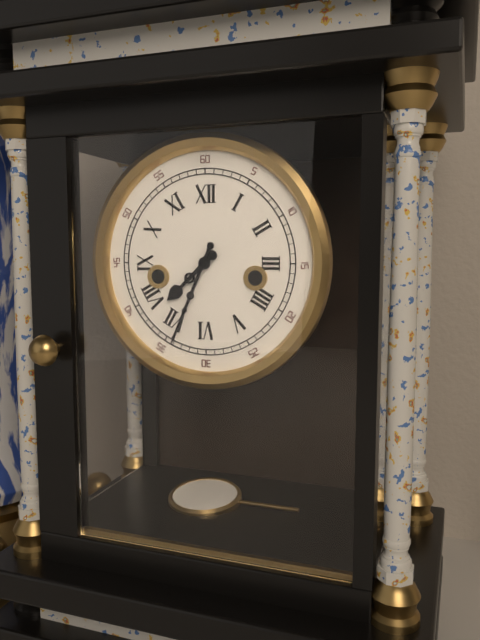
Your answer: **7:34**
